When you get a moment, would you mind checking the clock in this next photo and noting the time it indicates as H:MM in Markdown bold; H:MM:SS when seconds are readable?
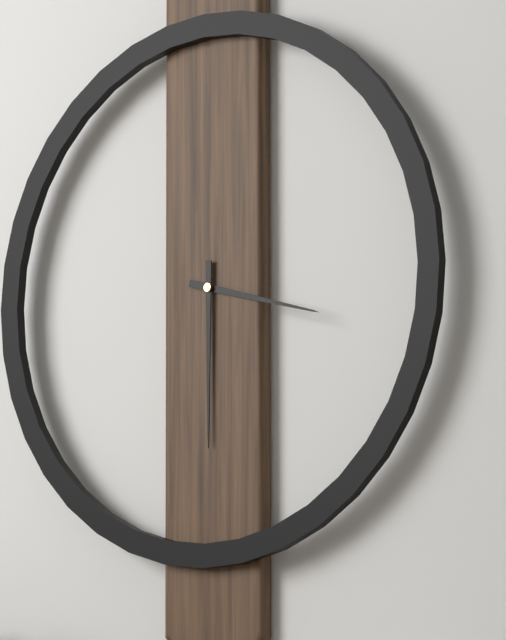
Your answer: **3:30**
